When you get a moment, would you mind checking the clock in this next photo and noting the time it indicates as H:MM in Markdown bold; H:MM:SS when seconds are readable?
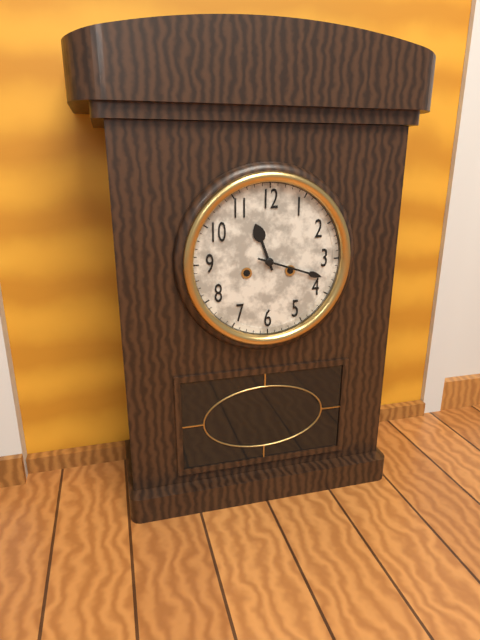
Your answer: **11:18**
